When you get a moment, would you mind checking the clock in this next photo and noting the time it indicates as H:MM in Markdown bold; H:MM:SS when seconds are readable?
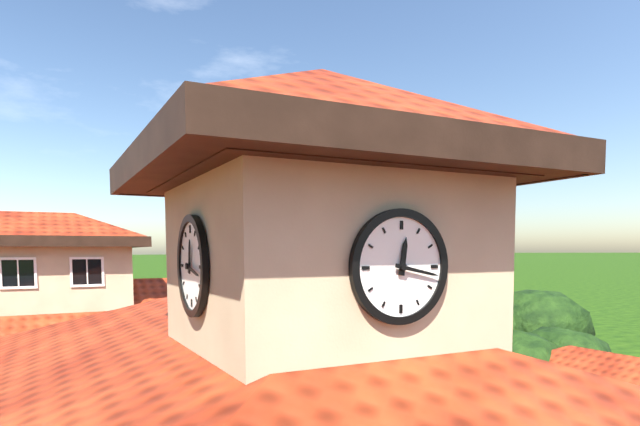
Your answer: **12:17**
